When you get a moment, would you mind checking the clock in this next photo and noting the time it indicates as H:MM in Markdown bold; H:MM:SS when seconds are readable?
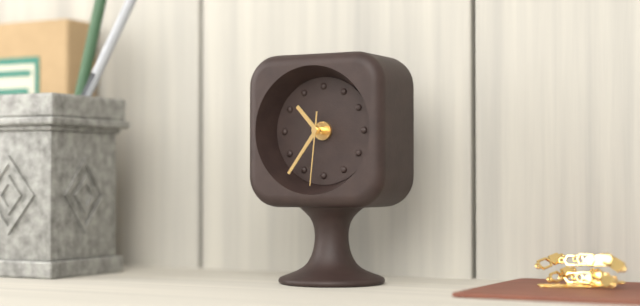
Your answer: **10:36:31**
